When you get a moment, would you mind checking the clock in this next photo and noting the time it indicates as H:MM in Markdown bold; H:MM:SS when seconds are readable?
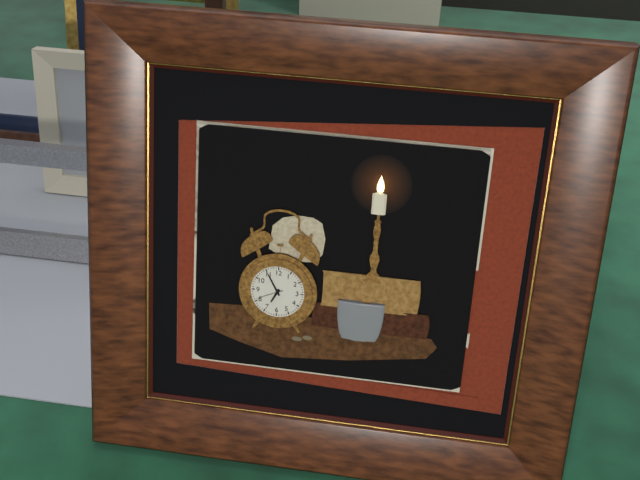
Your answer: **6:55**
